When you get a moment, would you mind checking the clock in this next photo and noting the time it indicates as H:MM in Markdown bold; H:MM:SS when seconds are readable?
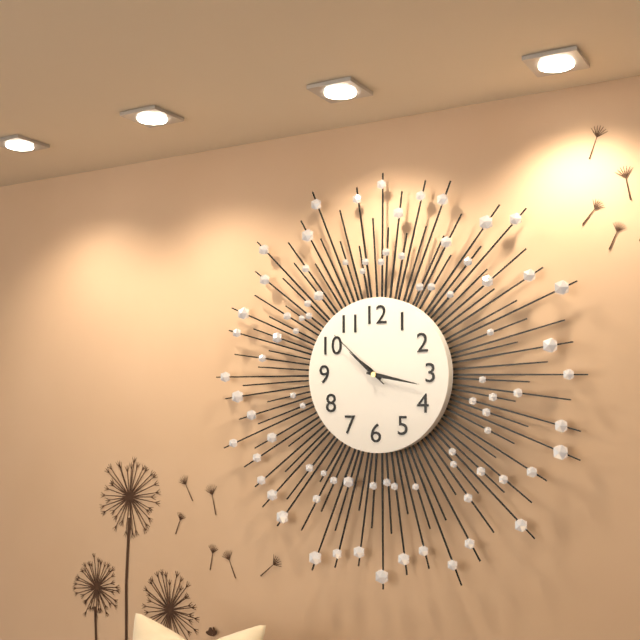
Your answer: **10:17:52**
